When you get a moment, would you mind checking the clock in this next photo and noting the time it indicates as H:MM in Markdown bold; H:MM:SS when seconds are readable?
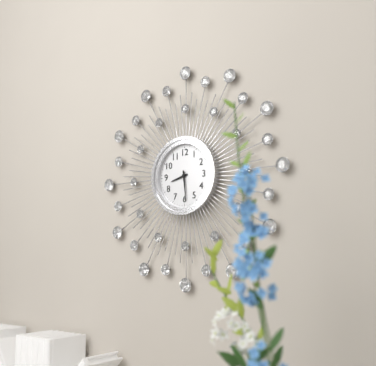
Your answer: **8:29**
